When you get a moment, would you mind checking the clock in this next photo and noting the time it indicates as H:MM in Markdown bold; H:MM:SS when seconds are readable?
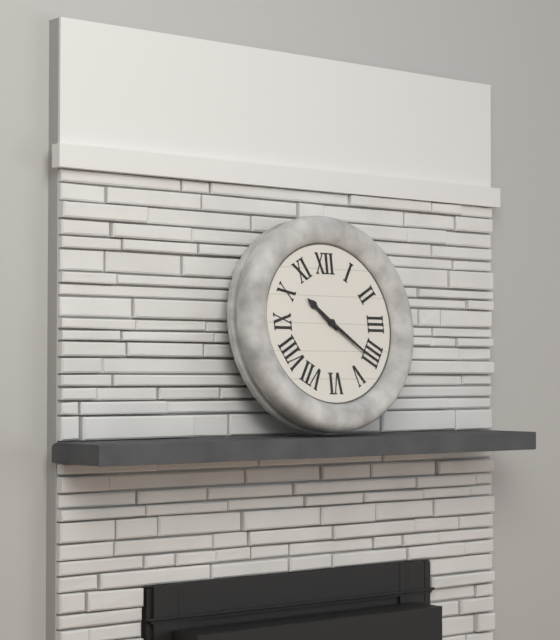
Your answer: **10:21**
